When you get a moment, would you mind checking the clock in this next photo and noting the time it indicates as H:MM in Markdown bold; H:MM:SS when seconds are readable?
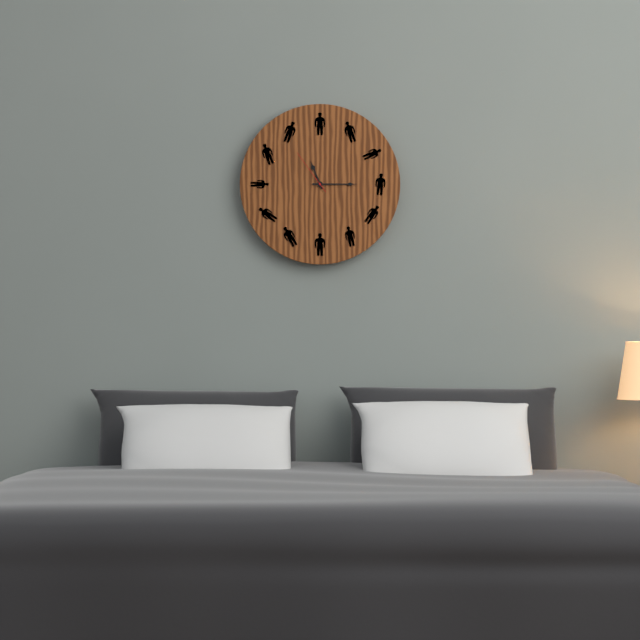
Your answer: **11:15**
